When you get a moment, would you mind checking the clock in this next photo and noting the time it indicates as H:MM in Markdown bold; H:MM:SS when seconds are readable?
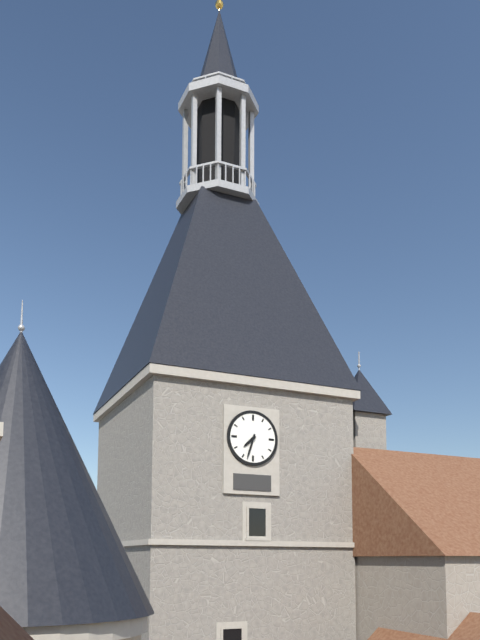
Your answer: **7:33**
